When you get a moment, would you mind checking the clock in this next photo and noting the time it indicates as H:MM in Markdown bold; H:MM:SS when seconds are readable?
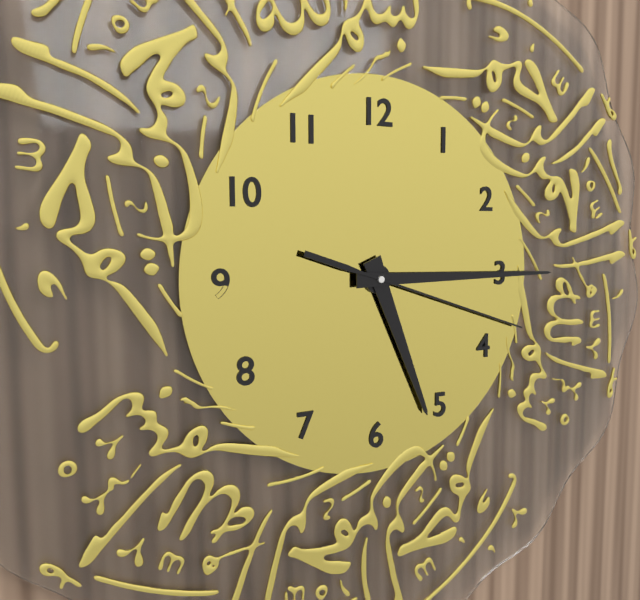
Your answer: **5:15:18**
